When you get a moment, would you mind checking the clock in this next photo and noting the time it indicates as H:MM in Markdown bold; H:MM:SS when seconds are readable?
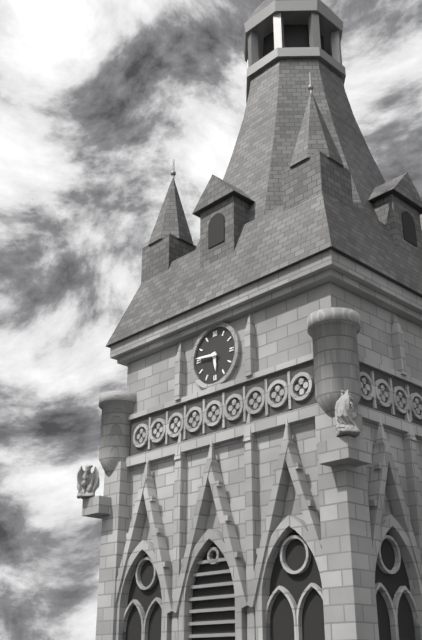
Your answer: **5:46**
